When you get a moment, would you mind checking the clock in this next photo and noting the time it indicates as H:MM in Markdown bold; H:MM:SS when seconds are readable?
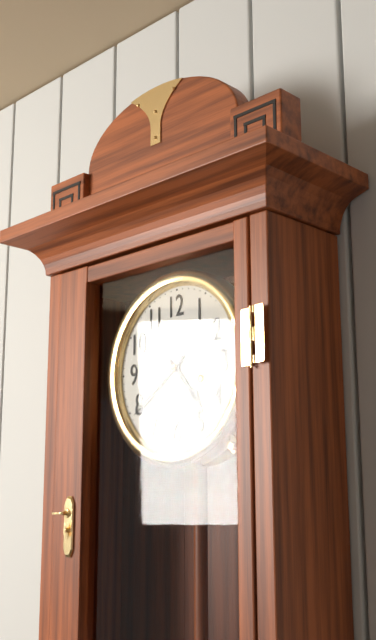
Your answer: **4:39**
